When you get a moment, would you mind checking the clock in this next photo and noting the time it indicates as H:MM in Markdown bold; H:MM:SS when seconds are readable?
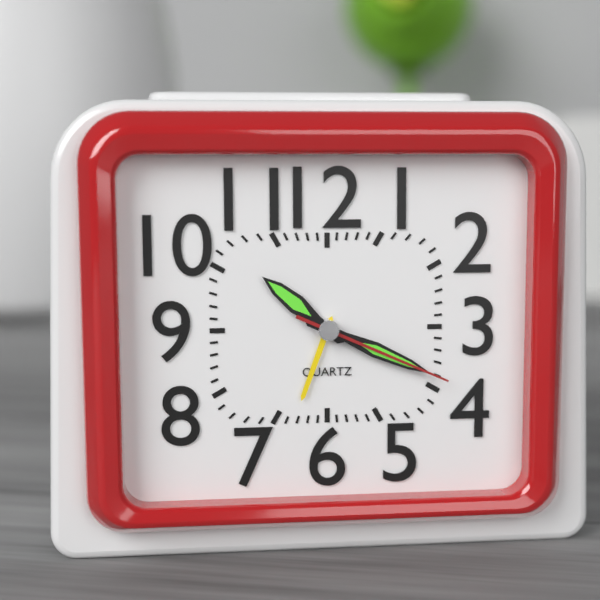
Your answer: **10:19:19**
